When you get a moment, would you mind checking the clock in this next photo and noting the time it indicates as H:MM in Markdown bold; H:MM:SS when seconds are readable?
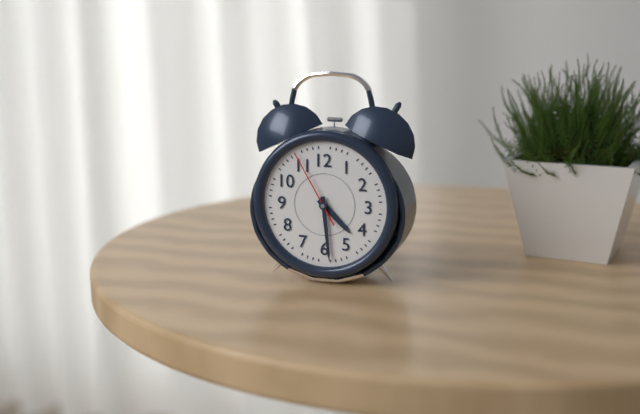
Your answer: **4:29:55**
